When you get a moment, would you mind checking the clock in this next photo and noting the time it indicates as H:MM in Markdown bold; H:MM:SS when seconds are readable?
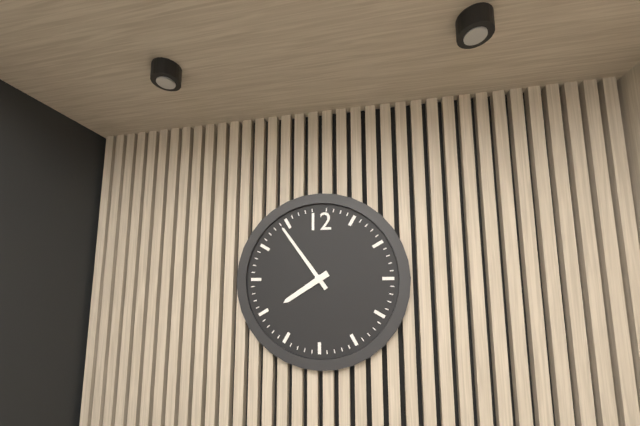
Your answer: **7:54**
